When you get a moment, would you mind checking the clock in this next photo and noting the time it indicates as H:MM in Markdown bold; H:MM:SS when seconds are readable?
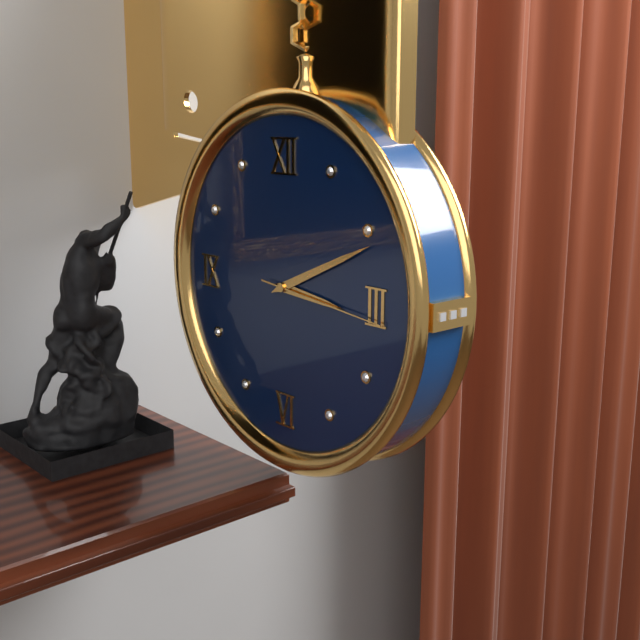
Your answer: **3:11:16**
